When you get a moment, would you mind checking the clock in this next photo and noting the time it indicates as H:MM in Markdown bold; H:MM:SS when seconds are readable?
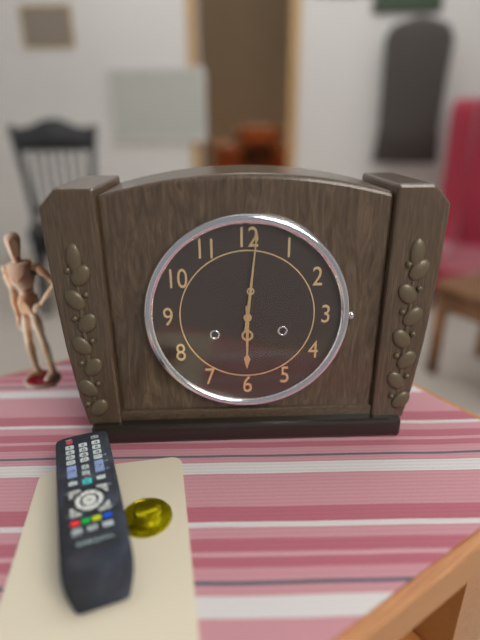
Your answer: **6:01**
